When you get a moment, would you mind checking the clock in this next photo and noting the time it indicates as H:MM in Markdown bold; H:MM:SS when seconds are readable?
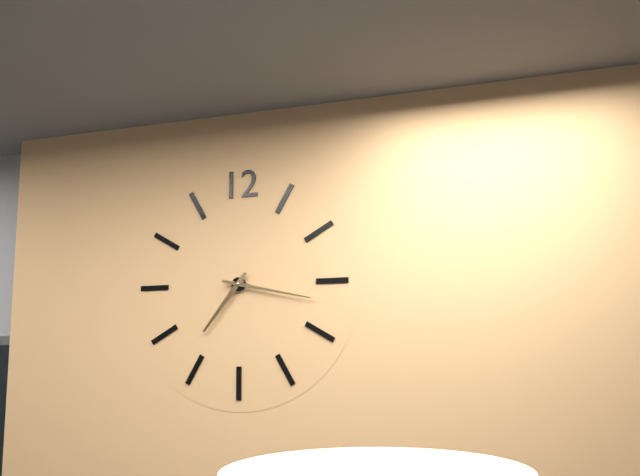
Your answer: **7:17**
